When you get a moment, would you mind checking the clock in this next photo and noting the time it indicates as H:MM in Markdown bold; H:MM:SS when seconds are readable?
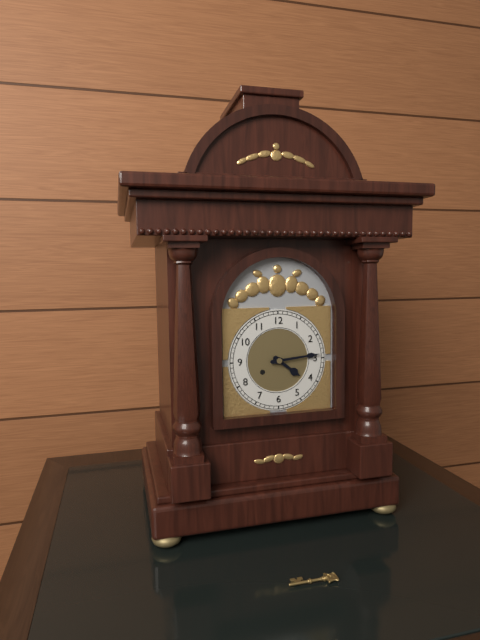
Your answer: **4:14**
